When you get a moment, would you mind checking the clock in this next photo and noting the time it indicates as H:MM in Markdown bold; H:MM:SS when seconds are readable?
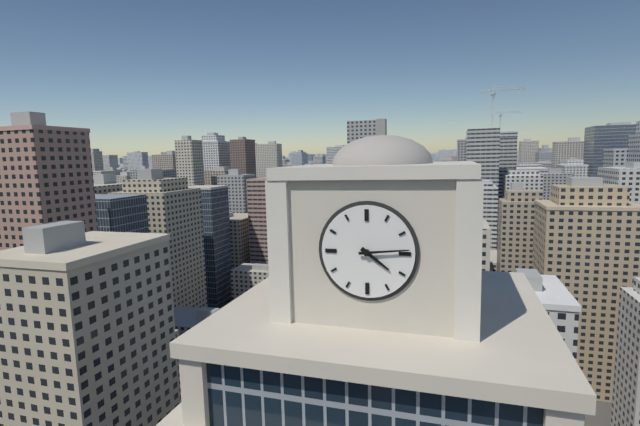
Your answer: **4:14**
